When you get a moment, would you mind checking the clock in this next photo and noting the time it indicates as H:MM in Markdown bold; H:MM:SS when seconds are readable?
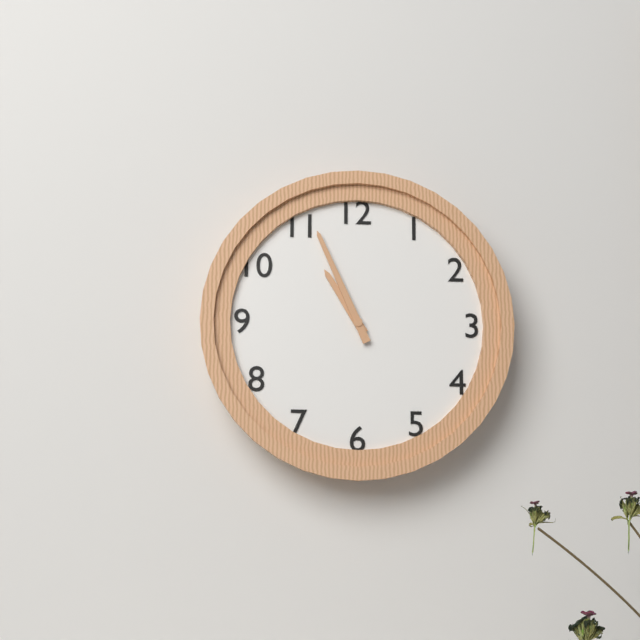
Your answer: **10:56**
